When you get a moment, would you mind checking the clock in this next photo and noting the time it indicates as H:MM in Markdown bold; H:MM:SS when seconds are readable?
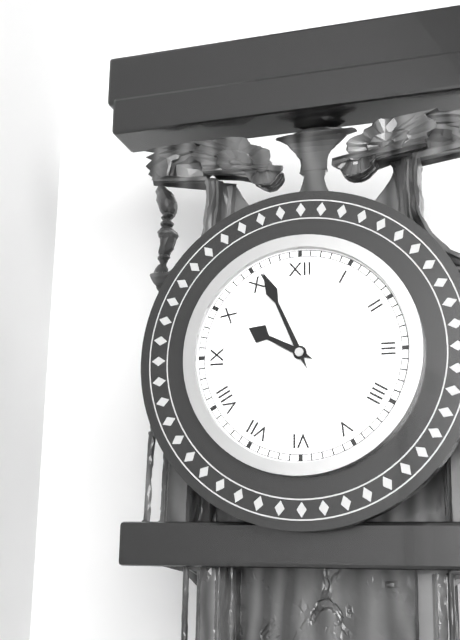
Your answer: **9:56**
